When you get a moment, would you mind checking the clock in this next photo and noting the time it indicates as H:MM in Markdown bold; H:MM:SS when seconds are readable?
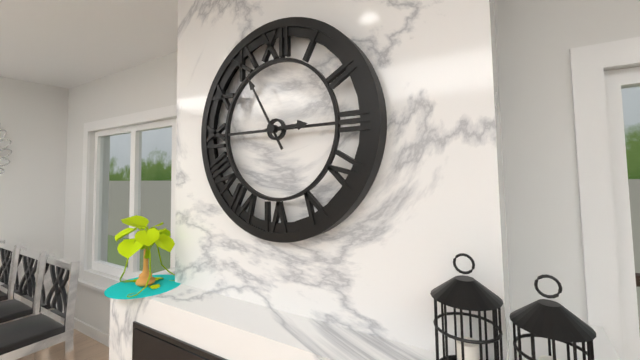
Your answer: **2:55**
